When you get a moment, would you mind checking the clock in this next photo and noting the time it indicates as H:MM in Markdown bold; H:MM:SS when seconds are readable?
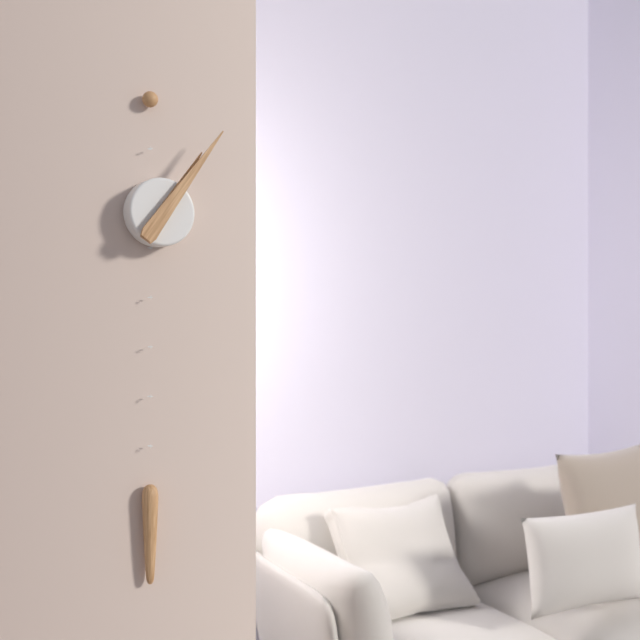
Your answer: **1:06**
